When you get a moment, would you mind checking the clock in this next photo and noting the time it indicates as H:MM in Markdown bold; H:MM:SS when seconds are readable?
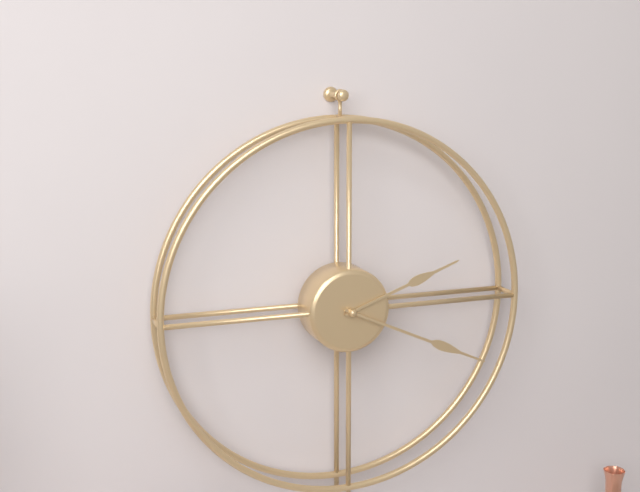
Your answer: **2:19**
